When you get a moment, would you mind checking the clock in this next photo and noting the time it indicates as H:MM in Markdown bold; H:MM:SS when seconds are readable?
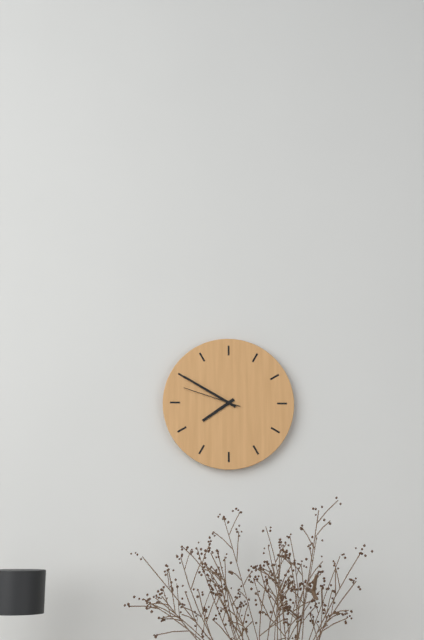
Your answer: **7:50:48**
